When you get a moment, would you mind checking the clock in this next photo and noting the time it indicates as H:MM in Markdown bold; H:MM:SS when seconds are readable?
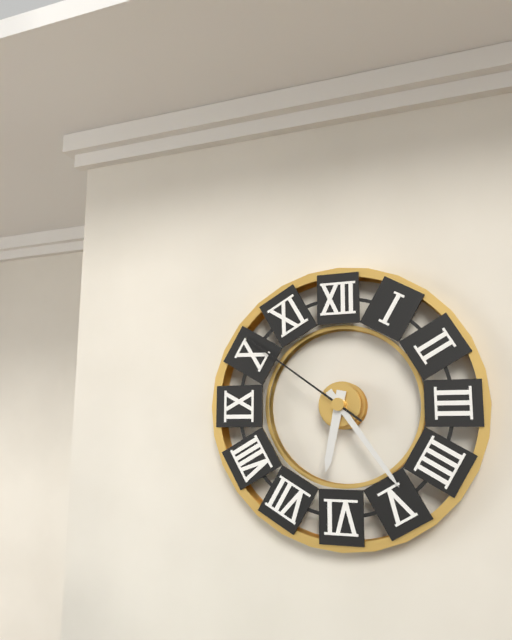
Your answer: **6:24:51**
